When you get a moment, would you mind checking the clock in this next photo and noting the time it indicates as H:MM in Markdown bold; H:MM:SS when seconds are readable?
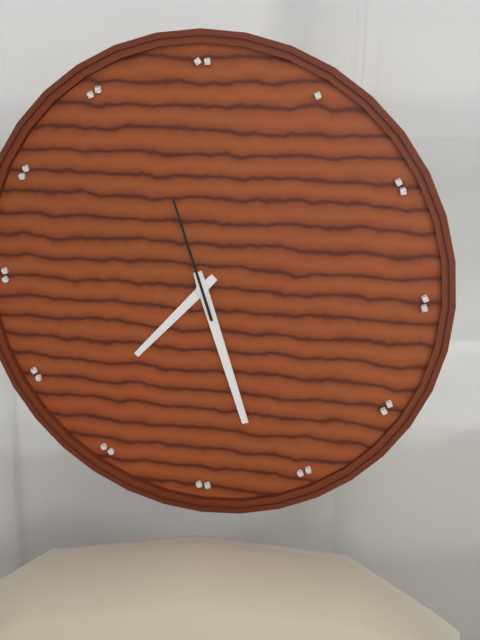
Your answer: **7:27:57**
